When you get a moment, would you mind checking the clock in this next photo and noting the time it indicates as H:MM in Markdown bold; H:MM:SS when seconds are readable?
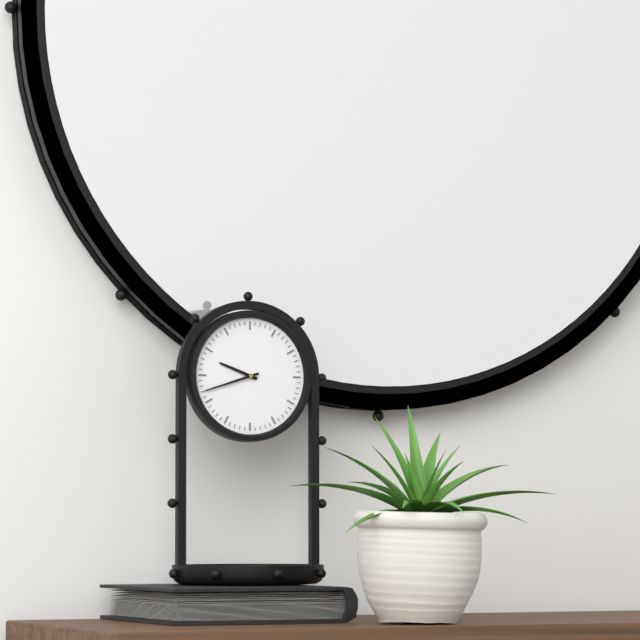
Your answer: **9:42**
